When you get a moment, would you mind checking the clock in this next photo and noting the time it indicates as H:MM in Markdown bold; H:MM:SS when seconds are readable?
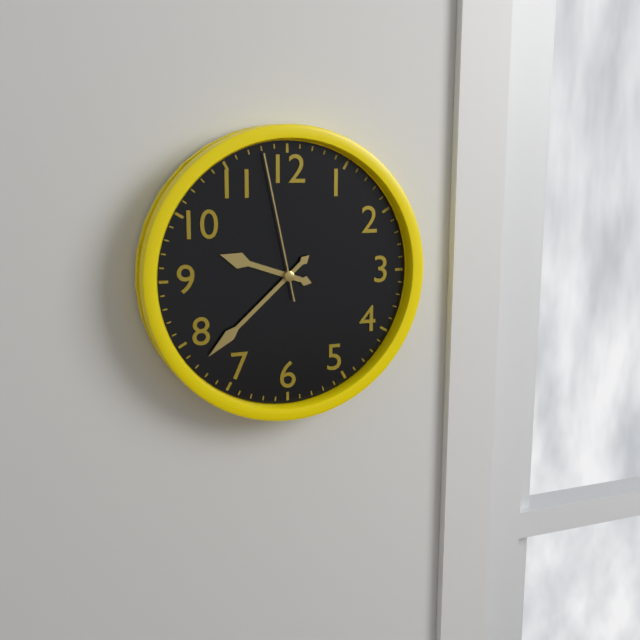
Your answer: **9:38:58**
